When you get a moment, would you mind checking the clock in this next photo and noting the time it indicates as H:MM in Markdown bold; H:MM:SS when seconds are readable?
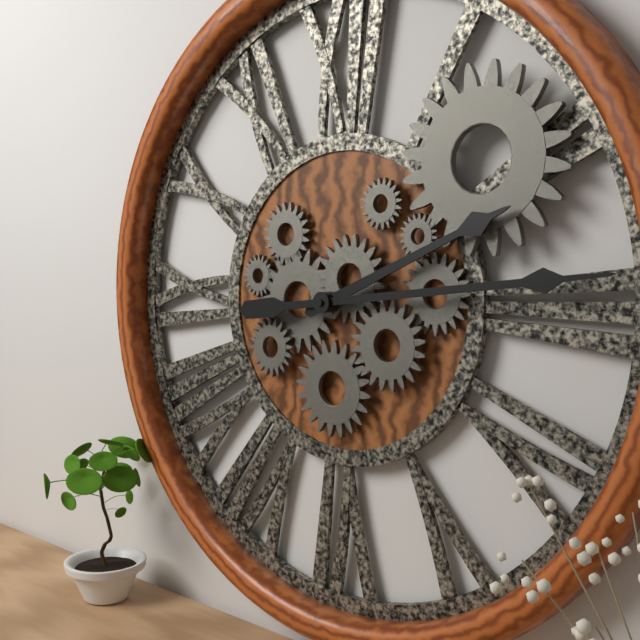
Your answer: **2:14**
